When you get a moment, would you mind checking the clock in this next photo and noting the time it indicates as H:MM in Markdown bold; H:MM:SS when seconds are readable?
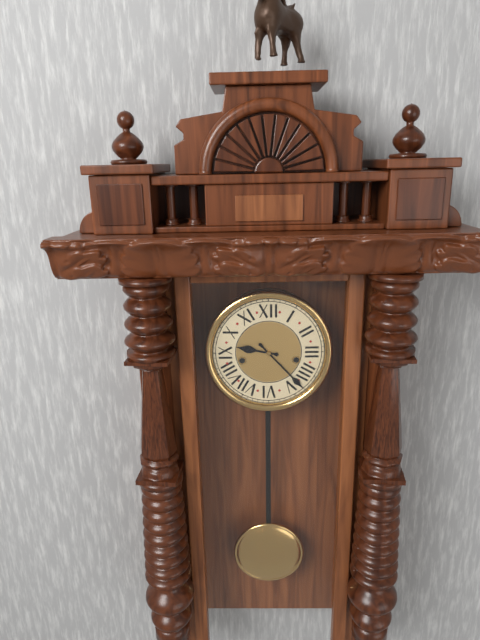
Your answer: **9:23**
